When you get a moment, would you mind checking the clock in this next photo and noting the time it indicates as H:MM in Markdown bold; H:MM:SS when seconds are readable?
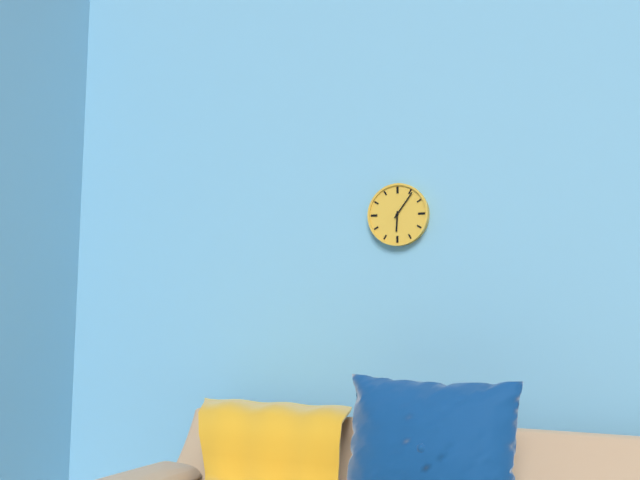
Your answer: **6:06**
